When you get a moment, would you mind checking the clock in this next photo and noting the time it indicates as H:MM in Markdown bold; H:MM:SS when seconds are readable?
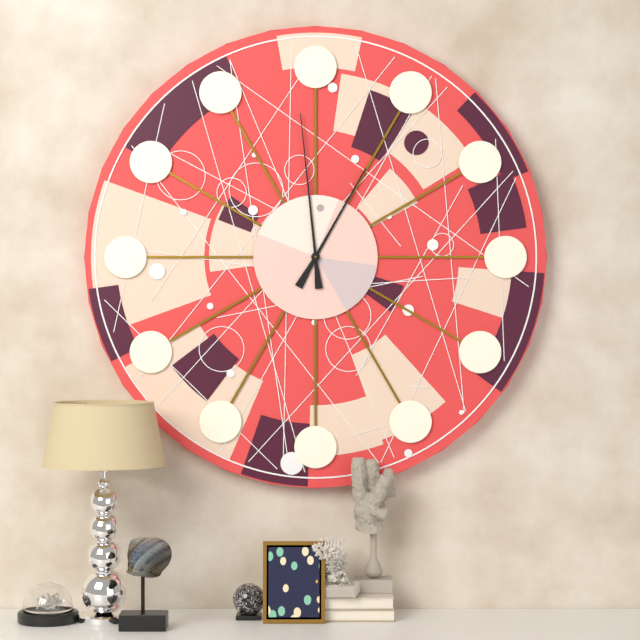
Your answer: **12:59**
